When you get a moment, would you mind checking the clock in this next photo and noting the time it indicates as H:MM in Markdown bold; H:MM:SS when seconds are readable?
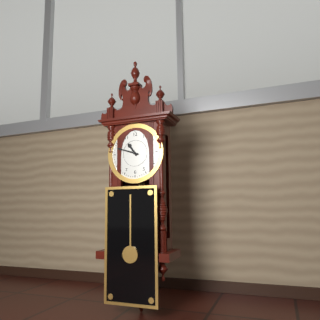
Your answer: **10:48**
